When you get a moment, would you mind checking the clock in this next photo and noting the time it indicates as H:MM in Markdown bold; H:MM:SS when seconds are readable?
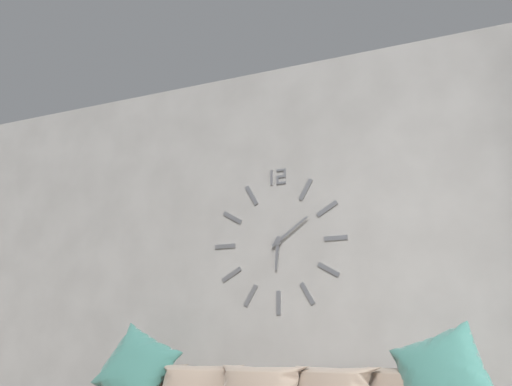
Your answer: **6:09**
